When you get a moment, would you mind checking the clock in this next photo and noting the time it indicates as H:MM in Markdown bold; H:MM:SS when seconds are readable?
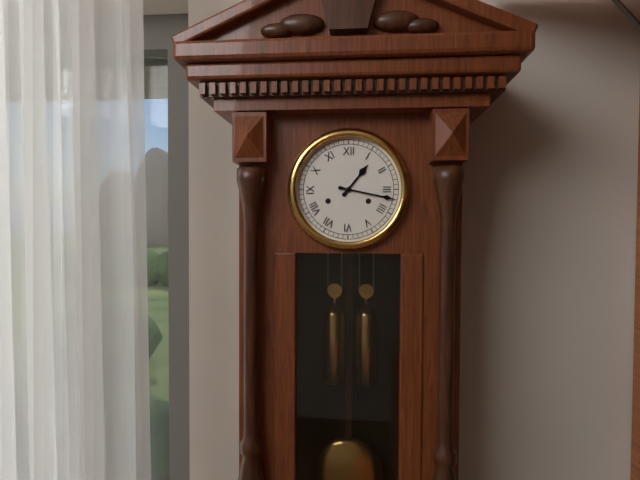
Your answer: **1:17**
